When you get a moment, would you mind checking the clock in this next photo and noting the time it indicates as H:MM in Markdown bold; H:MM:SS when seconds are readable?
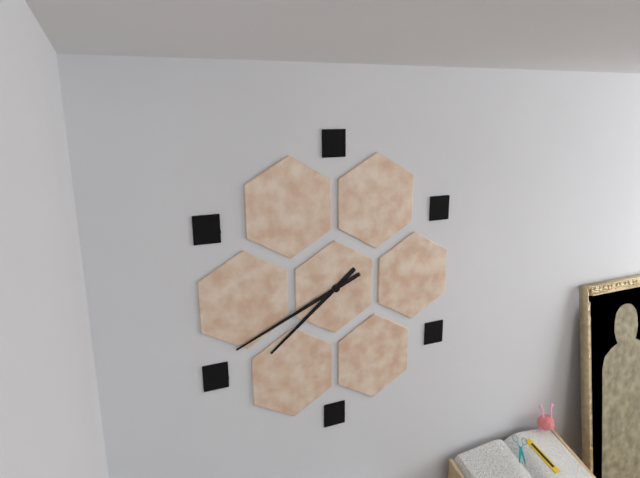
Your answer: **7:41**
